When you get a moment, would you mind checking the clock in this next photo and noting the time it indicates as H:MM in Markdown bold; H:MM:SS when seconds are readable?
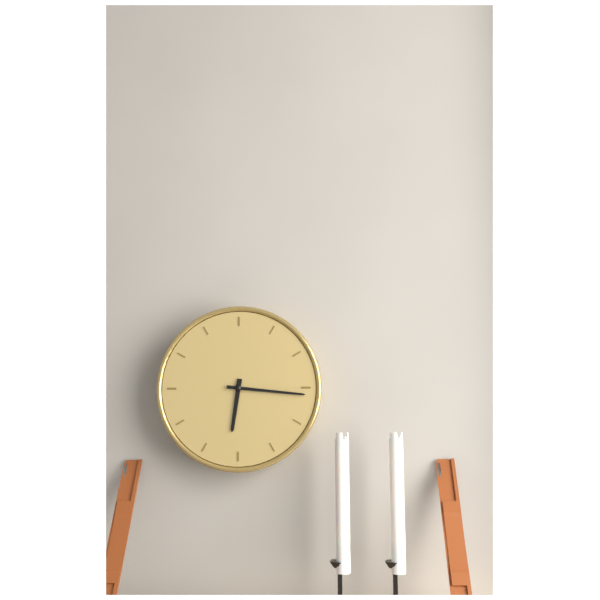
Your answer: **6:16**
